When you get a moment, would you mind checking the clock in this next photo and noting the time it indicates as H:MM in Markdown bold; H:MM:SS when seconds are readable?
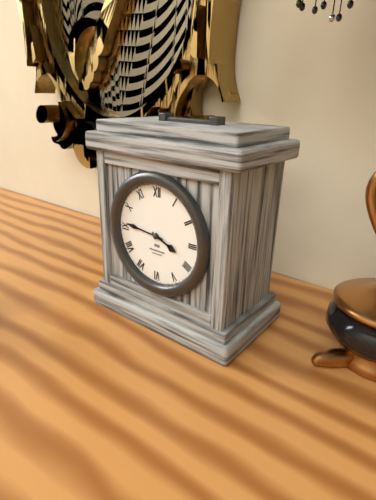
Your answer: **3:46**
